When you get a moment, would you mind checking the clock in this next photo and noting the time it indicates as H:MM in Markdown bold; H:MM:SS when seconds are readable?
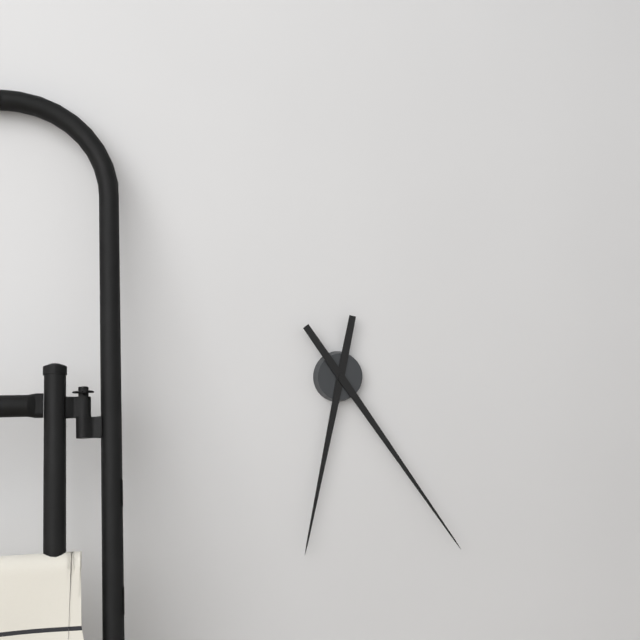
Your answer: **6:24**
